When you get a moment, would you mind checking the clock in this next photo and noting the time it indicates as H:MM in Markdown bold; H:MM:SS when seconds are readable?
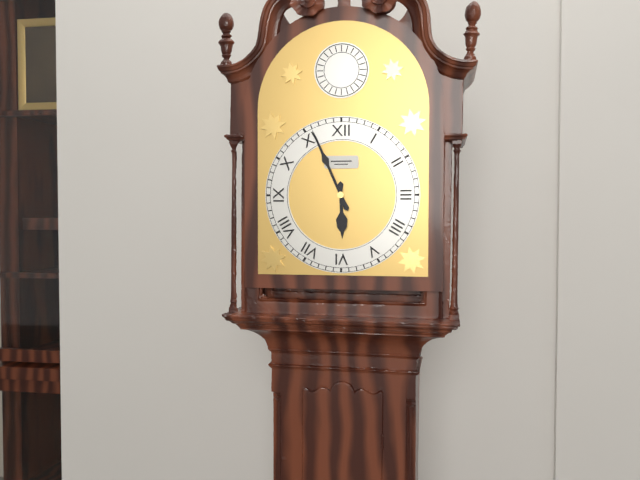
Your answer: **5:56**
